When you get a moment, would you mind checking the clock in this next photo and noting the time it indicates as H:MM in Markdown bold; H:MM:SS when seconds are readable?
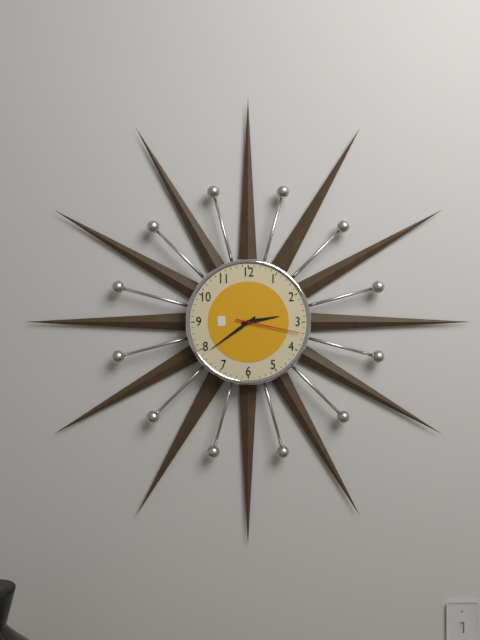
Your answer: **2:39:17**
